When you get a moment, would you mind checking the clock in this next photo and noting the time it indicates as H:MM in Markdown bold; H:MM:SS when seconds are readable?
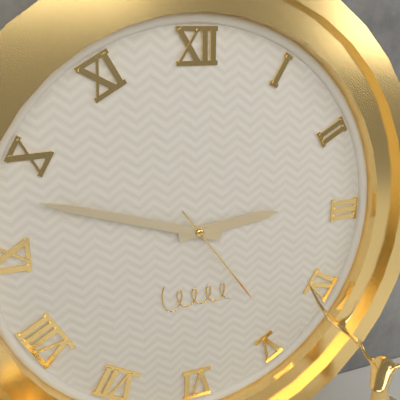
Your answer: **2:48:24**
